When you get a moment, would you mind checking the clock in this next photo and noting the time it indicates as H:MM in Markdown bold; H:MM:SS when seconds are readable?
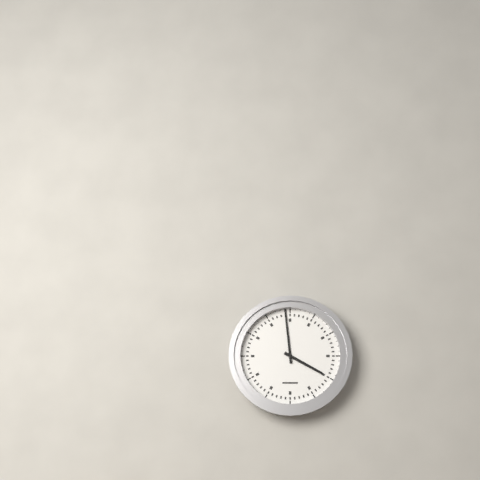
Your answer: **3:59**
